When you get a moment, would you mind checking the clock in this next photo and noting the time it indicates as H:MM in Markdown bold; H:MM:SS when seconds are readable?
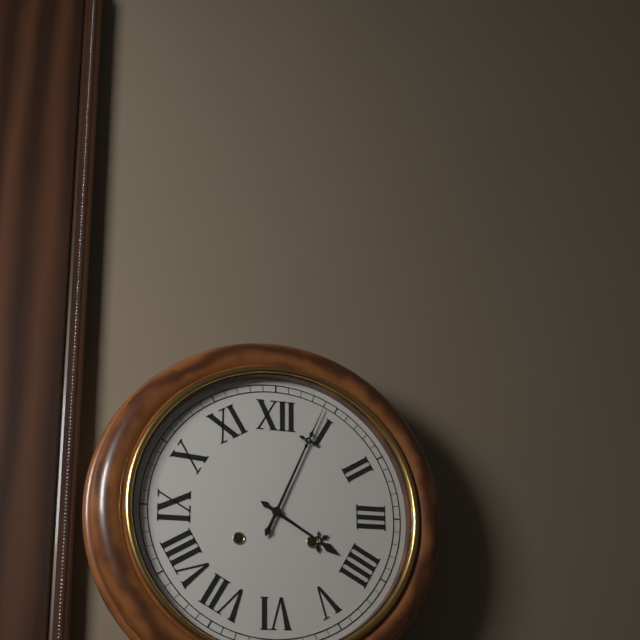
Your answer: **4:04**
